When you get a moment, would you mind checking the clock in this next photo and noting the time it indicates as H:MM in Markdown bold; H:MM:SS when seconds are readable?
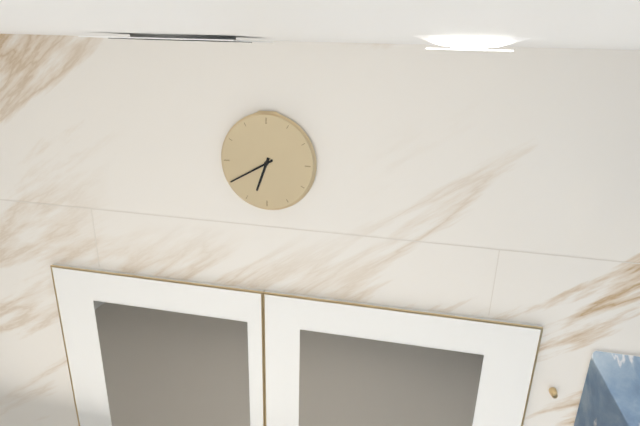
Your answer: **6:40**
